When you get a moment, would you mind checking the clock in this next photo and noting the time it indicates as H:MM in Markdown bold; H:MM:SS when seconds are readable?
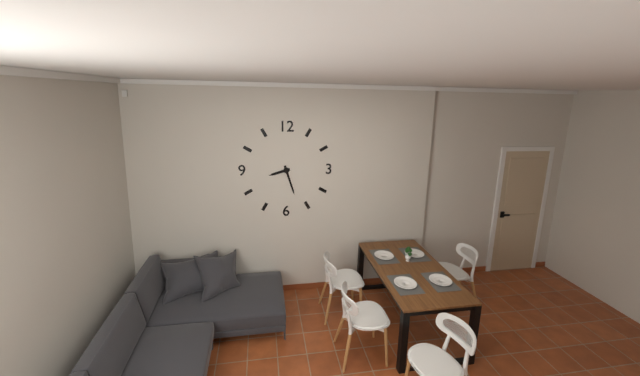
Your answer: **8:27**
